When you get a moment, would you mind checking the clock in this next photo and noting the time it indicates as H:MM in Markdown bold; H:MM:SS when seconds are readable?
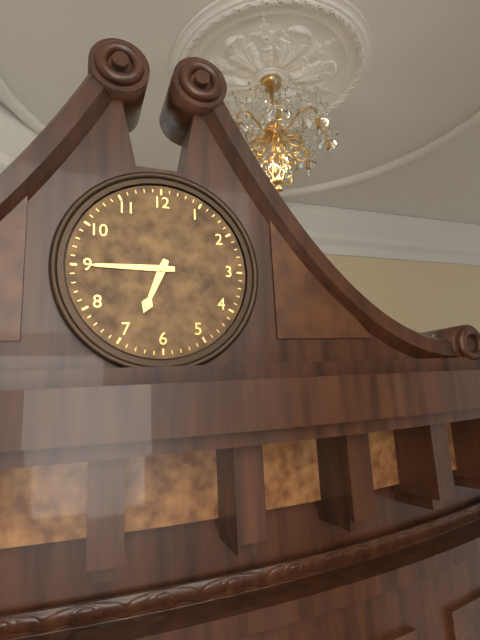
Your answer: **6:45**
